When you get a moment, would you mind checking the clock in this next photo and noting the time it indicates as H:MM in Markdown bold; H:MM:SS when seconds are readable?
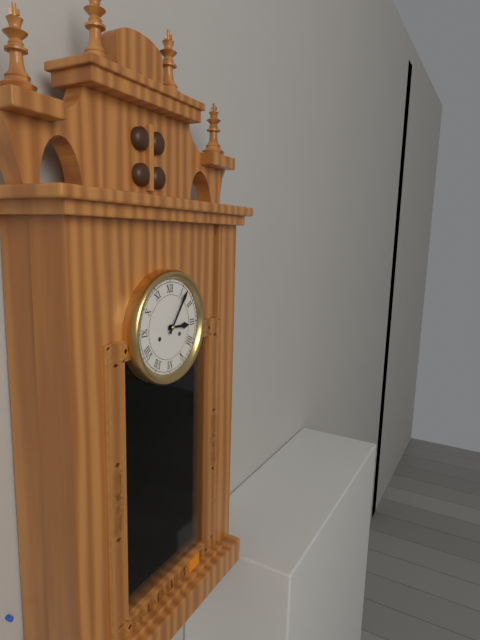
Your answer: **3:06**
